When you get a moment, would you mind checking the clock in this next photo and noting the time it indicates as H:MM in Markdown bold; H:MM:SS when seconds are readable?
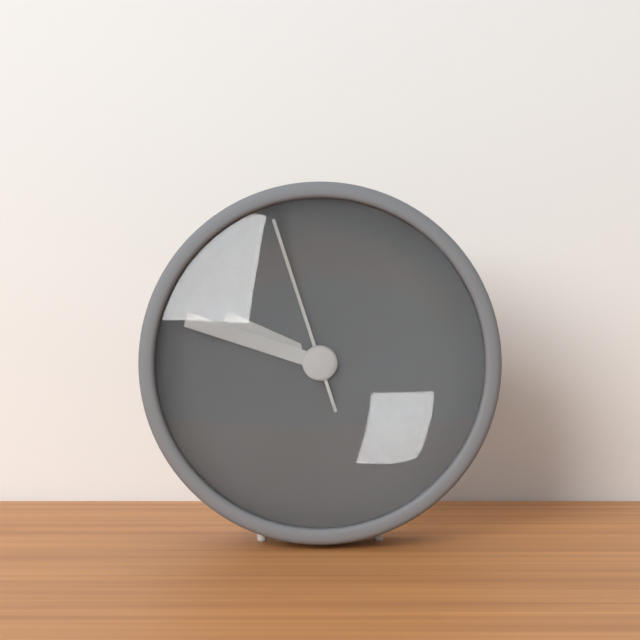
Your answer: **9:48:57**
